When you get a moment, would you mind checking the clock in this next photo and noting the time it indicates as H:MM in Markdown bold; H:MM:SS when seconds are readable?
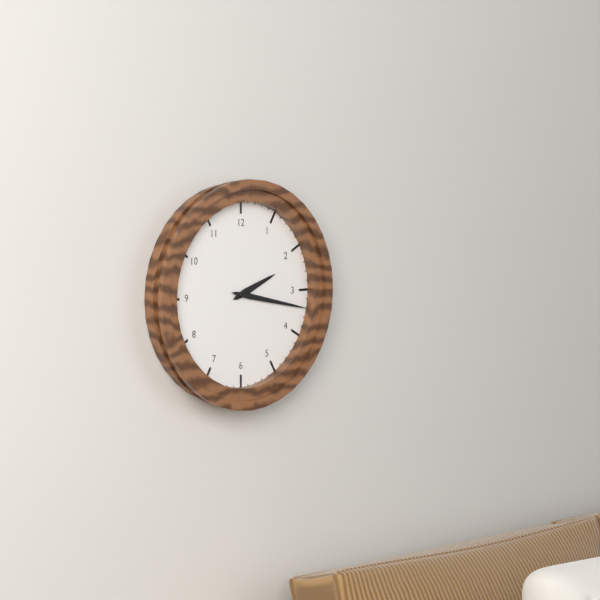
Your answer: **2:17**
